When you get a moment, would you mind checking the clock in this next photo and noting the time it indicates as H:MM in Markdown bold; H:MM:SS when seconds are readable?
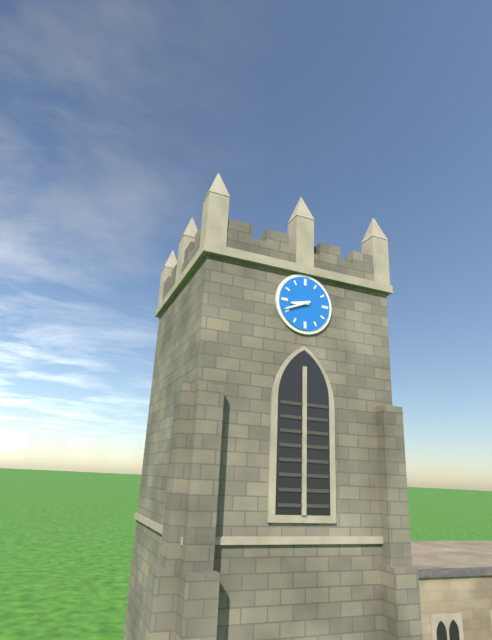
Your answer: **8:41**
